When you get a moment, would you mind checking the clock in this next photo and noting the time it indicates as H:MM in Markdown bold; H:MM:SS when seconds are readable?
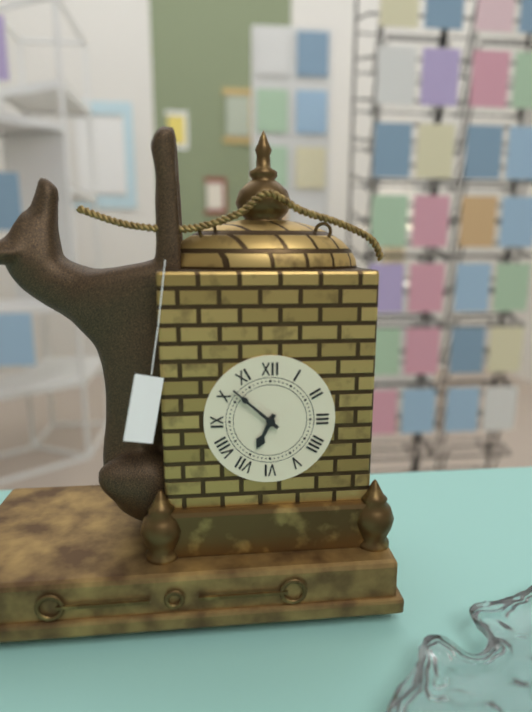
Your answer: **6:52**
